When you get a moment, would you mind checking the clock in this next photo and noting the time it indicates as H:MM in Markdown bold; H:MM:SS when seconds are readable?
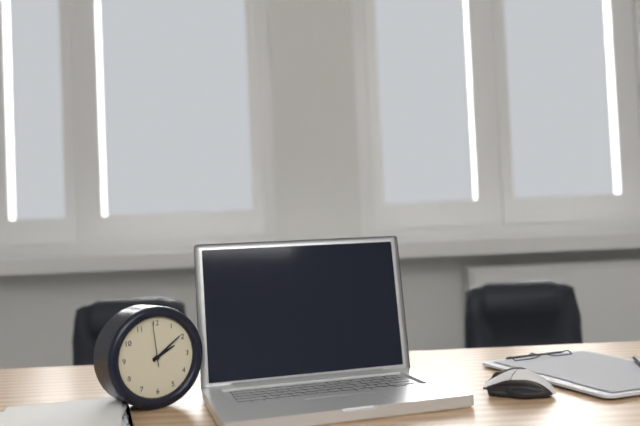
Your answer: **2:09**
